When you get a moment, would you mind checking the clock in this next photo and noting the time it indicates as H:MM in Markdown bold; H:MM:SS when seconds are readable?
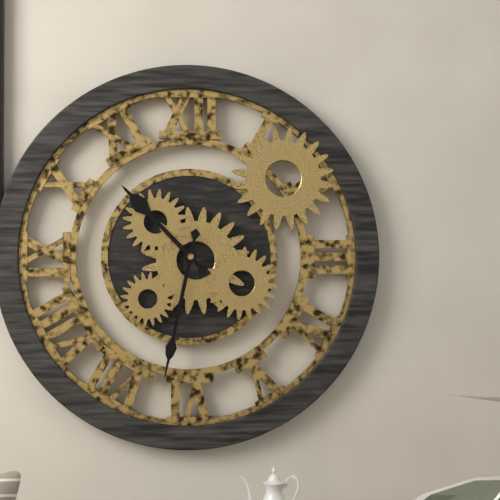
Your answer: **10:32**
